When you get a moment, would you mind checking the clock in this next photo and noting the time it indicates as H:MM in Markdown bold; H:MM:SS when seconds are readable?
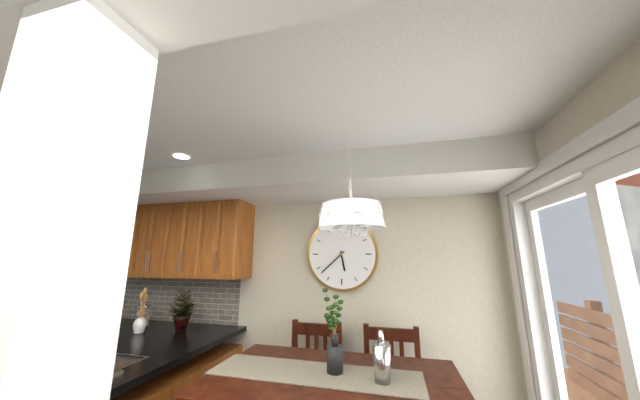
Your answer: **5:38**
